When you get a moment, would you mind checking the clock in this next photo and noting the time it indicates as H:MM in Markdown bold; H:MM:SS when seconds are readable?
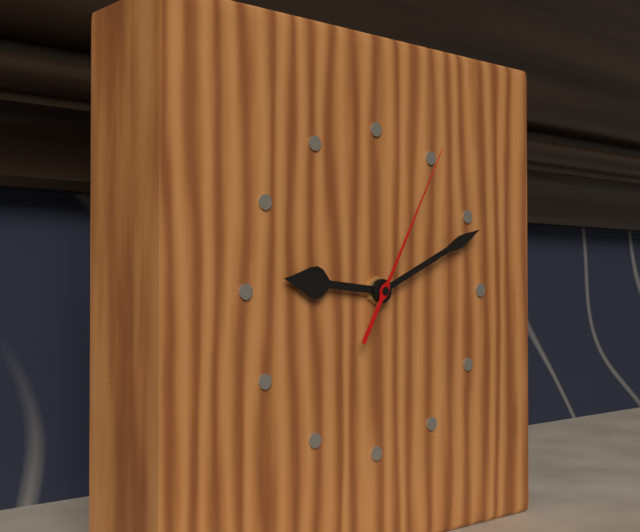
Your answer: **9:11:05**
